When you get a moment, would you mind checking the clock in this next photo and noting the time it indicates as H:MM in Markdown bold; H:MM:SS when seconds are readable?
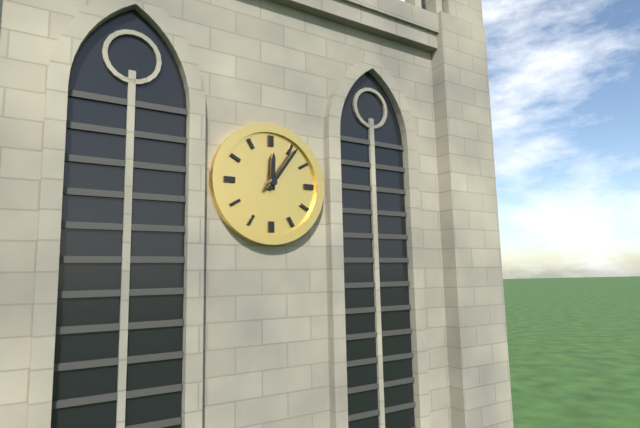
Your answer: **12:06**
